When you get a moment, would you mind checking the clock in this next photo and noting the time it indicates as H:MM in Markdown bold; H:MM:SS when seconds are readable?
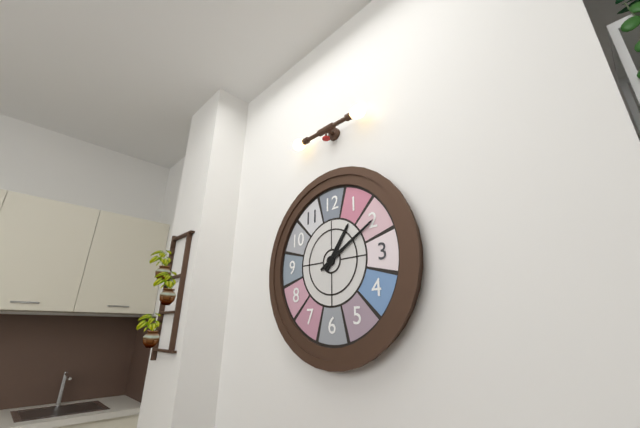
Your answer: **1:10**
